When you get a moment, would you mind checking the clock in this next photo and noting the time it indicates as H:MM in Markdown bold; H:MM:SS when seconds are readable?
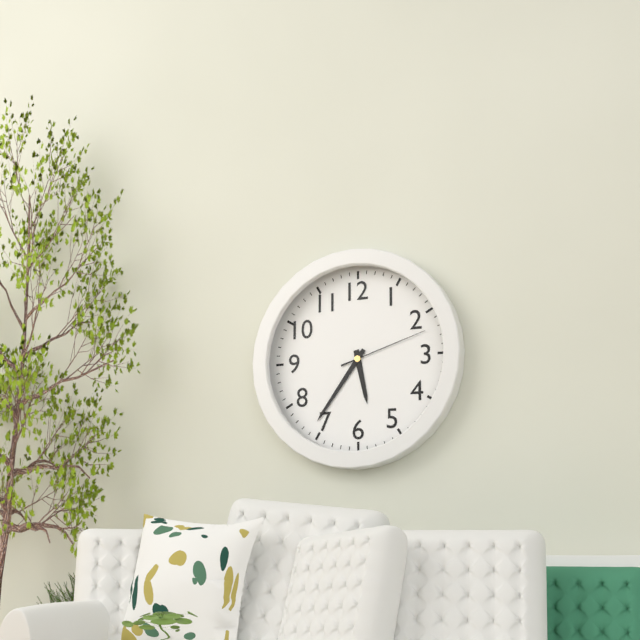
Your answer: **5:36:12**
